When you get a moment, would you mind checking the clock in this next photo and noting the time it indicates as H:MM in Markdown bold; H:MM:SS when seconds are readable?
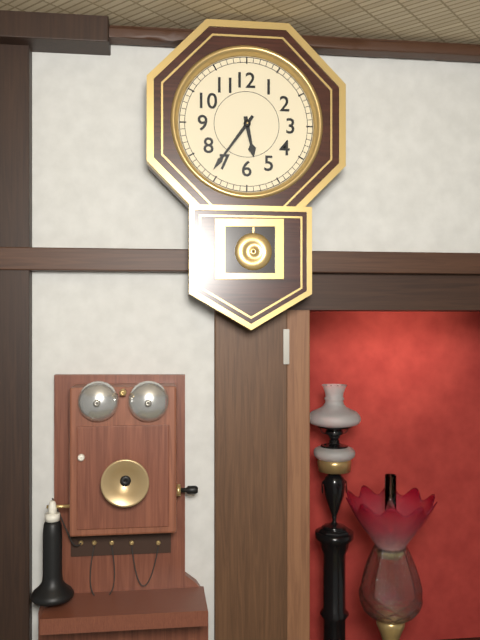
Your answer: **5:36**
